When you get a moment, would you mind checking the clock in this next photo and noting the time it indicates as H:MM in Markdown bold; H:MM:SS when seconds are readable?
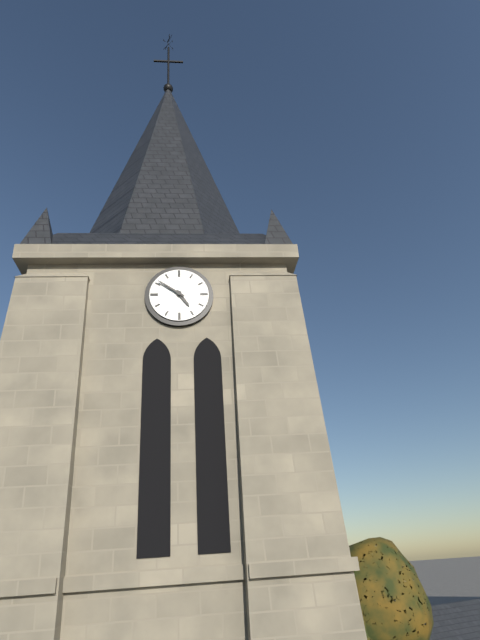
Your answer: **4:51**
